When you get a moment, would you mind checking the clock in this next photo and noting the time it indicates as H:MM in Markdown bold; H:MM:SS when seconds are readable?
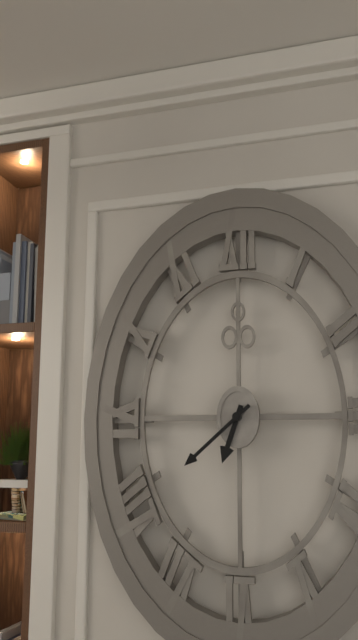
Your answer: **6:38**
